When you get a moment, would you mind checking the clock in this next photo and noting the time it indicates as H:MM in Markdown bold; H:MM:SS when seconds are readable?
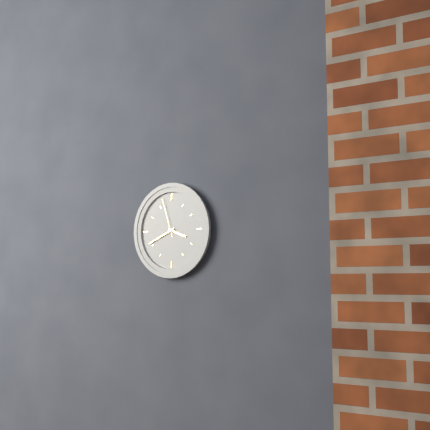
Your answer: **3:41**
